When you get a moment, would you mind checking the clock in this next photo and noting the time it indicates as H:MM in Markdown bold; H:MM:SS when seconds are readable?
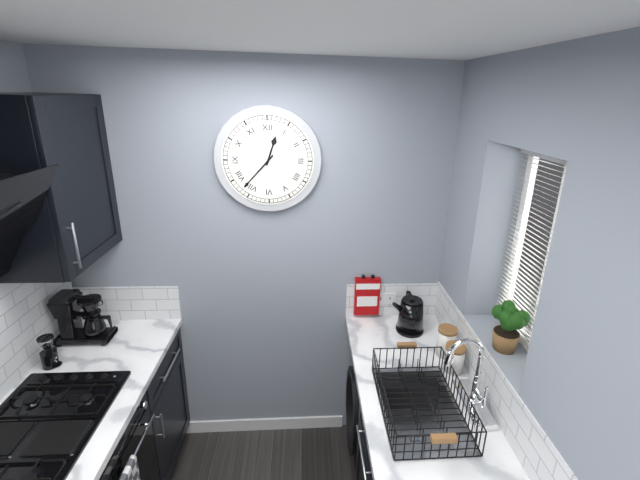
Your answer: **12:37**
